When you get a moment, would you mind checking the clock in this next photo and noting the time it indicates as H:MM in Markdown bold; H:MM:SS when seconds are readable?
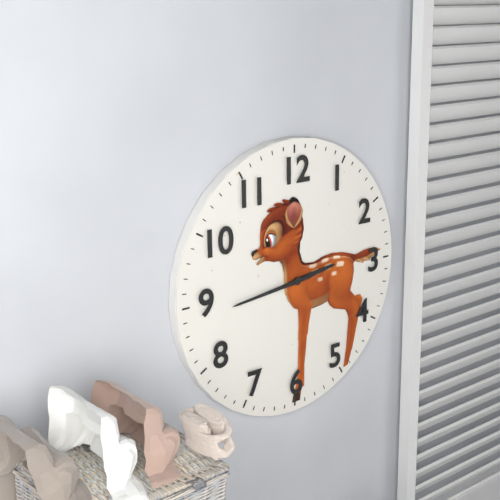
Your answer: **2:44**
